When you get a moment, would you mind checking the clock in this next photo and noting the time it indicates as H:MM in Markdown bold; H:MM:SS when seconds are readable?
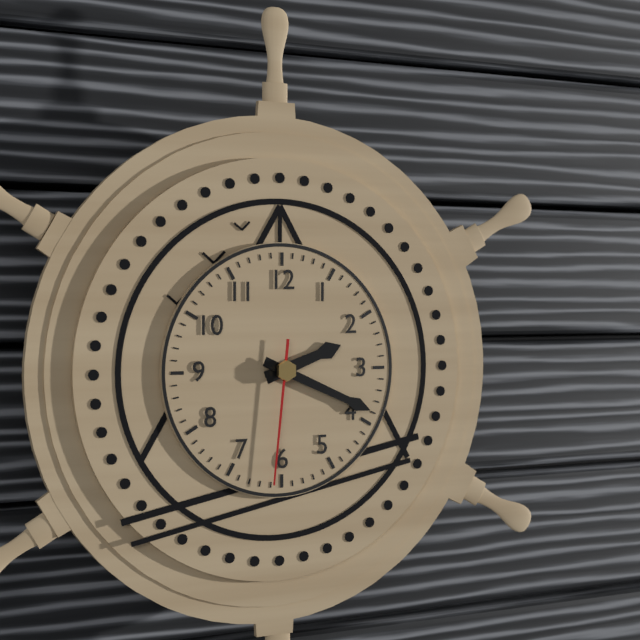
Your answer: **2:19:31**
